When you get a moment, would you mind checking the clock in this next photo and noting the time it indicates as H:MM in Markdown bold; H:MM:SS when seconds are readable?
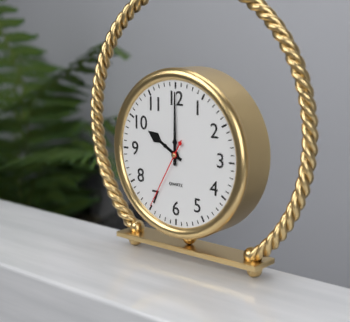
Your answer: **10:00:35**
